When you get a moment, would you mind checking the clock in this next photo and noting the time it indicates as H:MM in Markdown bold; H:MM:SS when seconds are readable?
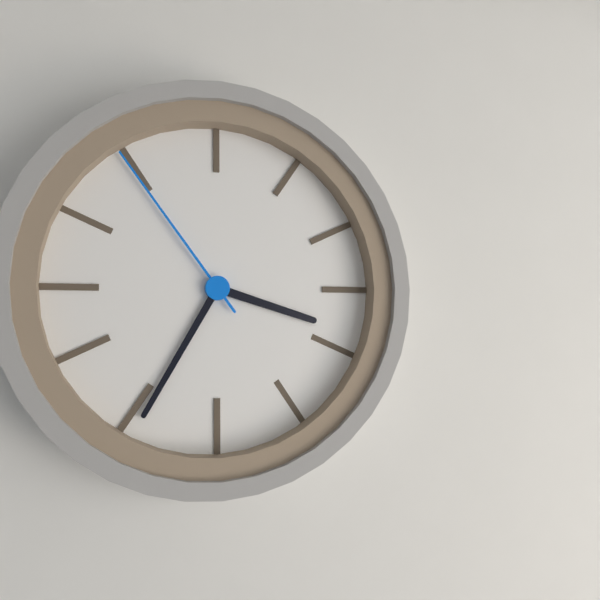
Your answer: **3:35:54**
